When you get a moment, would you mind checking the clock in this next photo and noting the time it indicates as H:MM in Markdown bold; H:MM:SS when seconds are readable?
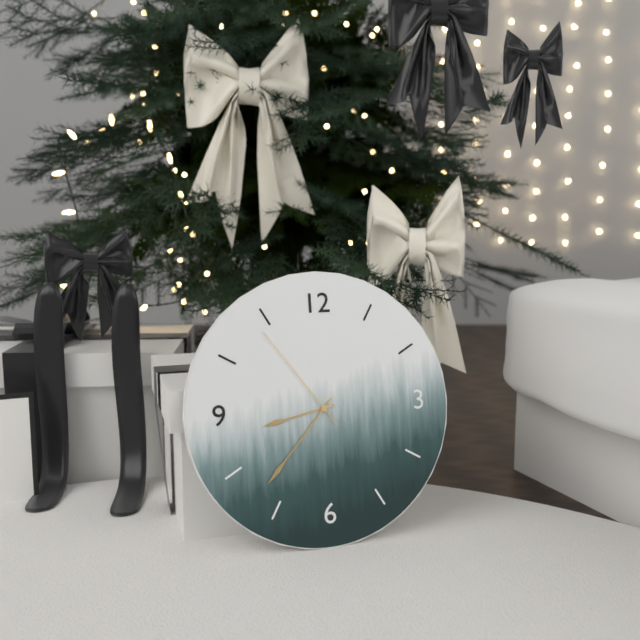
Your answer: **8:37:54**
